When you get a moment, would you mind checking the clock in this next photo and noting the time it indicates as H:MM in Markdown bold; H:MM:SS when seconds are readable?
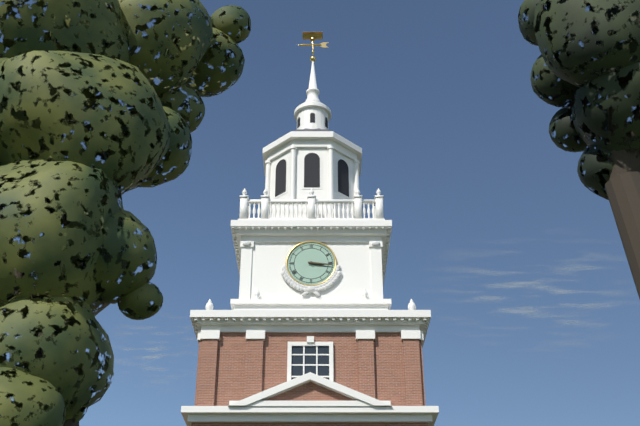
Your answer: **3:16**
